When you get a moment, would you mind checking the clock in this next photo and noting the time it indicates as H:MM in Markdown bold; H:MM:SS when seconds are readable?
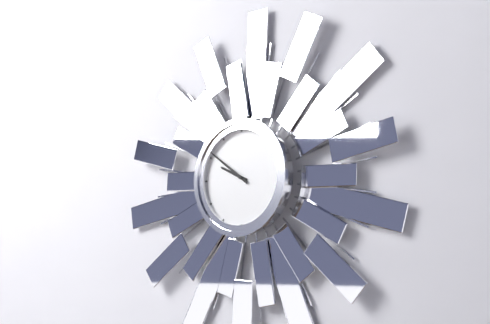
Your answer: **9:51**
